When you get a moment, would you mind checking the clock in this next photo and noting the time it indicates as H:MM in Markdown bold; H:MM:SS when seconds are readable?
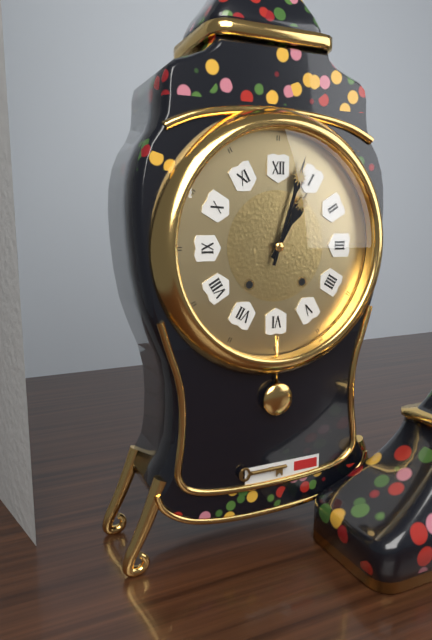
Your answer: **1:03**
